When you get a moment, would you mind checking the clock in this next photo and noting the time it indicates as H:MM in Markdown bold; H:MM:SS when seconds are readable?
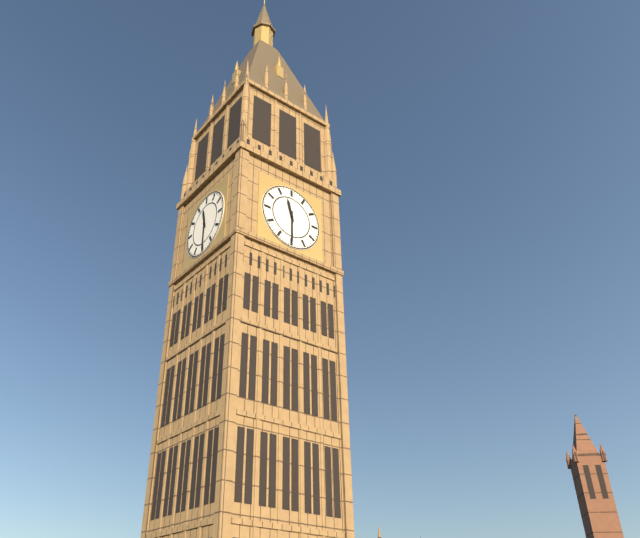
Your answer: **11:30**
